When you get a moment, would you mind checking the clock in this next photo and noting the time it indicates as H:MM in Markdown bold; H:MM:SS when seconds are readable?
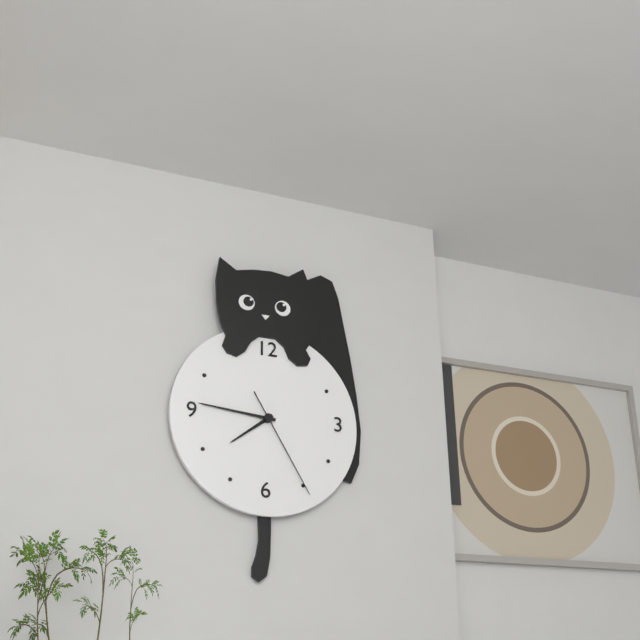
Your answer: **7:46:25**
